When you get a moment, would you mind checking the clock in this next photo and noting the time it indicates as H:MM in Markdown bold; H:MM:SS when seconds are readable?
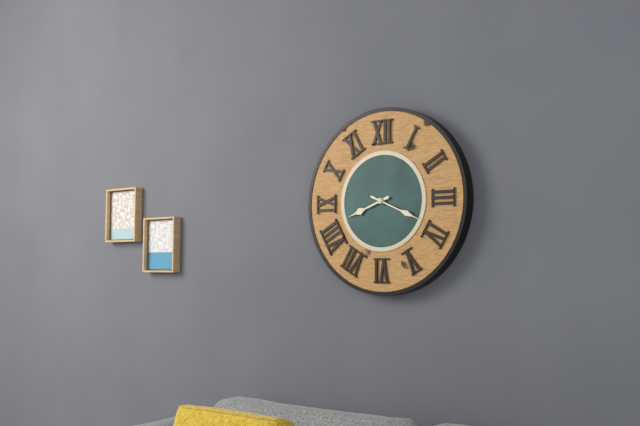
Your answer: **8:19**
